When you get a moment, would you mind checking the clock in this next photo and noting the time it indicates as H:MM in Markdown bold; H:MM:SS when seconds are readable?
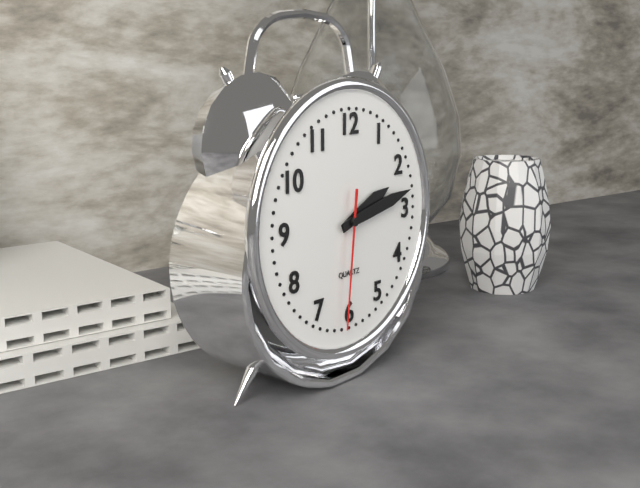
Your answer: **2:13:31**
